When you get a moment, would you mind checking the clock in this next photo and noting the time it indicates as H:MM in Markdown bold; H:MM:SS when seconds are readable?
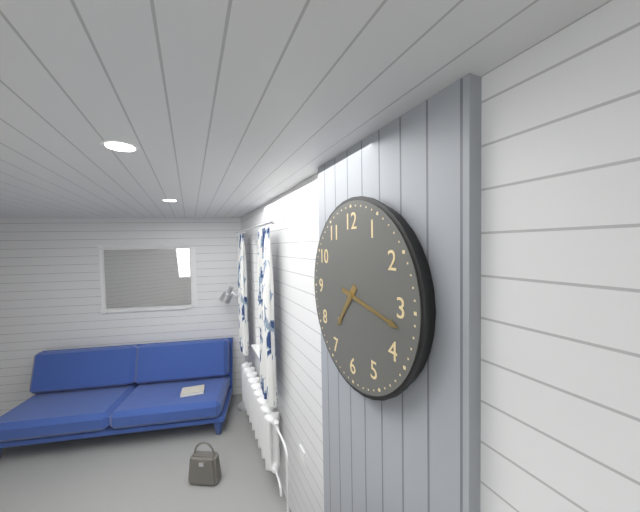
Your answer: **7:17**
